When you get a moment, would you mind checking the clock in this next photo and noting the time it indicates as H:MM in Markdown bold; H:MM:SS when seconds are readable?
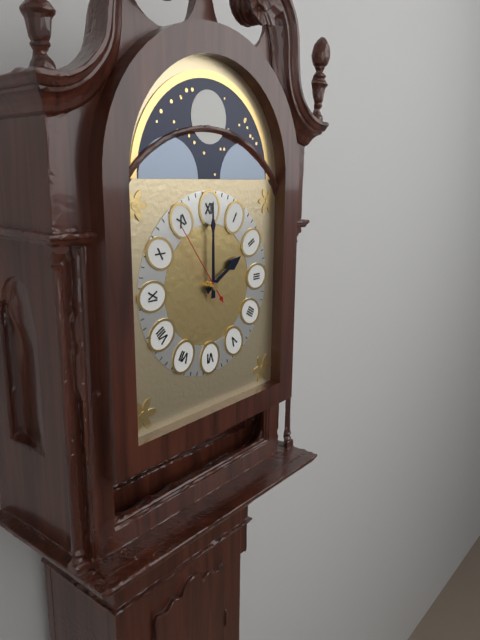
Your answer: **2:00:54**
